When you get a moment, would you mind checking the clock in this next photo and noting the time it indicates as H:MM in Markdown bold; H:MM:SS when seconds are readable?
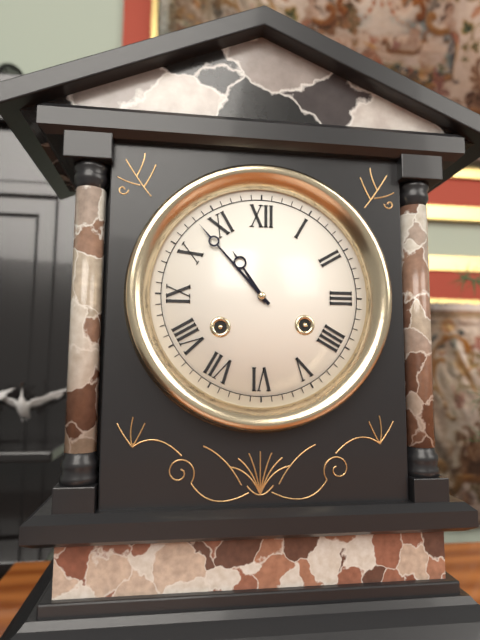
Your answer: **10:53**
